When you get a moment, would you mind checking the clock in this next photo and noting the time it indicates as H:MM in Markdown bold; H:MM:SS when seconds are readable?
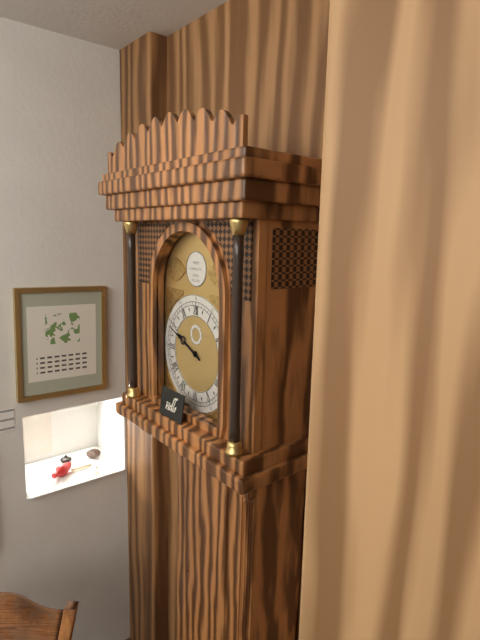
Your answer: **9:49**
